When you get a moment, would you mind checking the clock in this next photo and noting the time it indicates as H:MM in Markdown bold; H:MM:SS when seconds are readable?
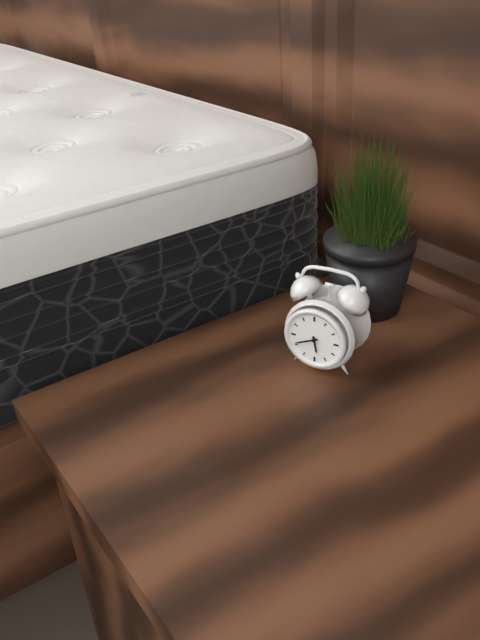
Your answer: **5:41**
